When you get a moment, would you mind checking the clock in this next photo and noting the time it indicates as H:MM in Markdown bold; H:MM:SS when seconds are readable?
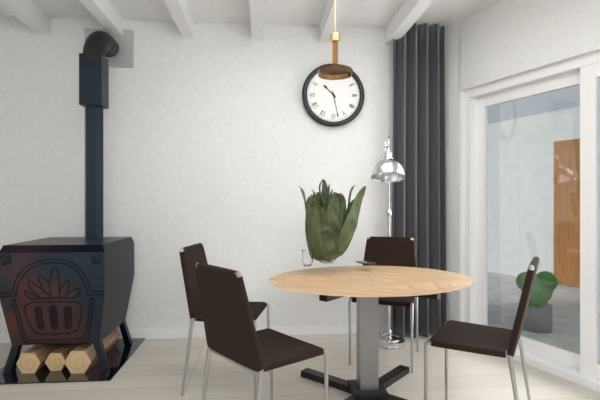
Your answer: **10:28**
